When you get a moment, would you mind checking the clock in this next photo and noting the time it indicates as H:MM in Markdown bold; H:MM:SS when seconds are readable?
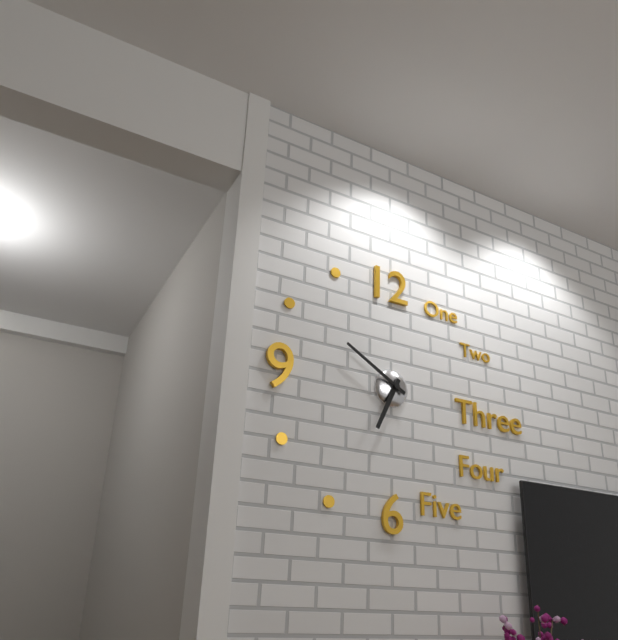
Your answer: **6:50**
